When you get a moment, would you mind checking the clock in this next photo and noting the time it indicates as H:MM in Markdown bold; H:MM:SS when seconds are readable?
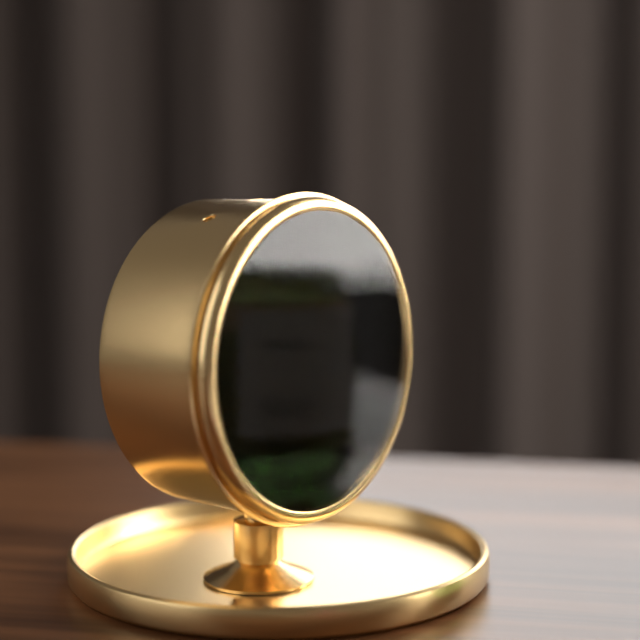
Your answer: **4:26:53**
